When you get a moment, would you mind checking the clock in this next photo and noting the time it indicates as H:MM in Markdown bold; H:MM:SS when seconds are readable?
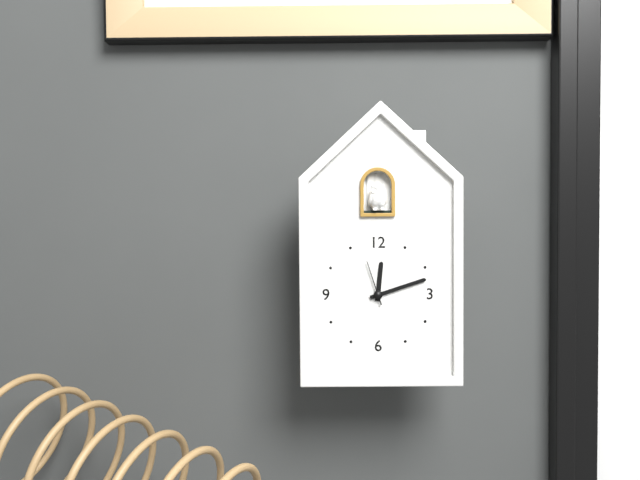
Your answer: **12:12**
